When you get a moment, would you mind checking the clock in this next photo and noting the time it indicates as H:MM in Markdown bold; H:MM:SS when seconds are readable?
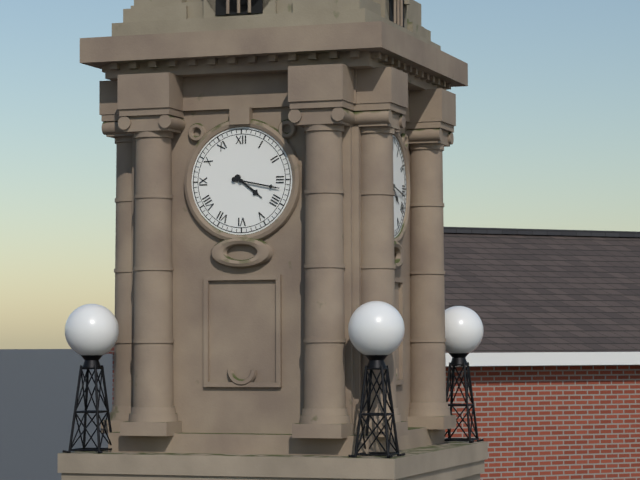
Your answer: **4:17**
